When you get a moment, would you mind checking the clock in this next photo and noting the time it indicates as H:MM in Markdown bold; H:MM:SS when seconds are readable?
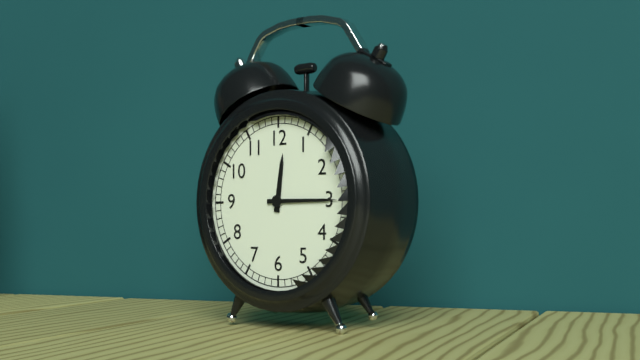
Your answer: **12:15**
